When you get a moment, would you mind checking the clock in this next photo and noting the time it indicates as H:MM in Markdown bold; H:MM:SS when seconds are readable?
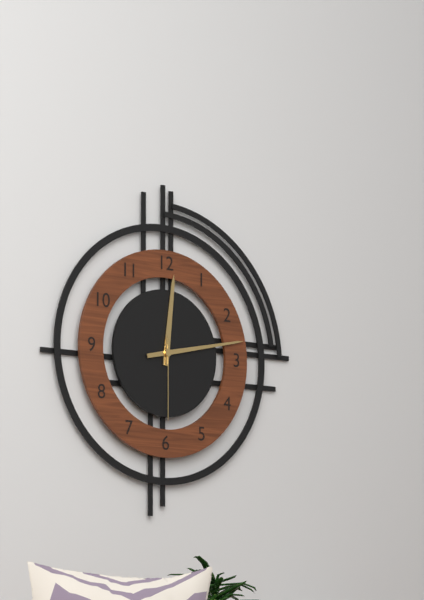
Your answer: **12:13:30**
